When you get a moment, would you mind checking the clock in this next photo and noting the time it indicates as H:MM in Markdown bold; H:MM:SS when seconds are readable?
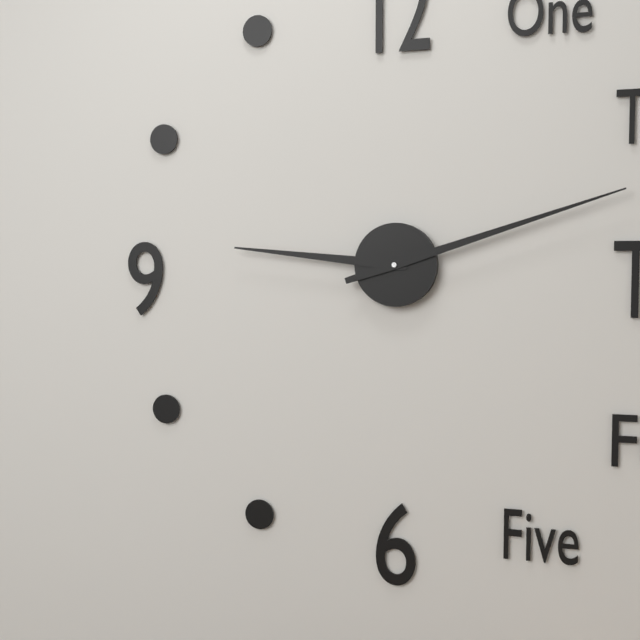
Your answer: **9:12**
